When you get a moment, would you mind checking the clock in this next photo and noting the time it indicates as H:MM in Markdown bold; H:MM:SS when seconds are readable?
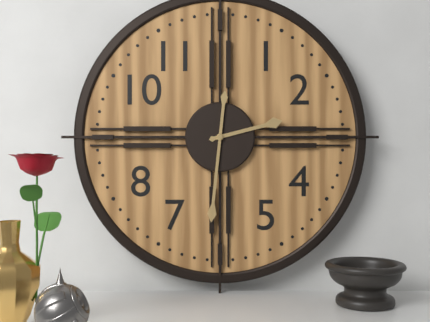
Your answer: **2:31**
